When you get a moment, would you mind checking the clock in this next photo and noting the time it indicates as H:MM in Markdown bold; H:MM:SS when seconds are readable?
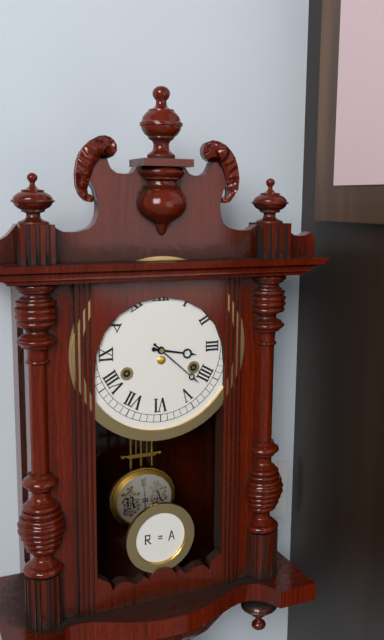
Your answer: **3:22**
